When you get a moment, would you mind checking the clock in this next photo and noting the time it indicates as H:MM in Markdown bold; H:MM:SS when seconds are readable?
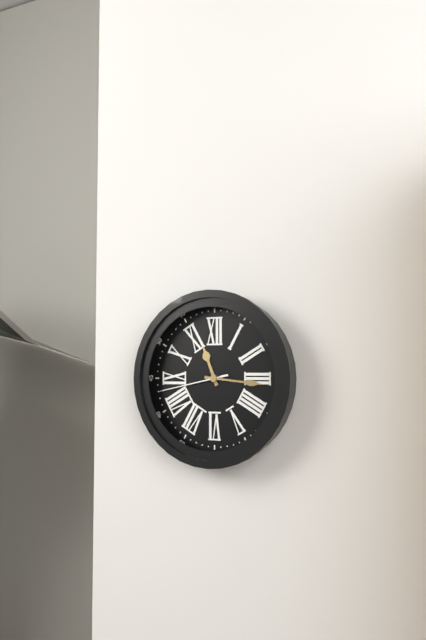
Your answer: **11:16:43**
